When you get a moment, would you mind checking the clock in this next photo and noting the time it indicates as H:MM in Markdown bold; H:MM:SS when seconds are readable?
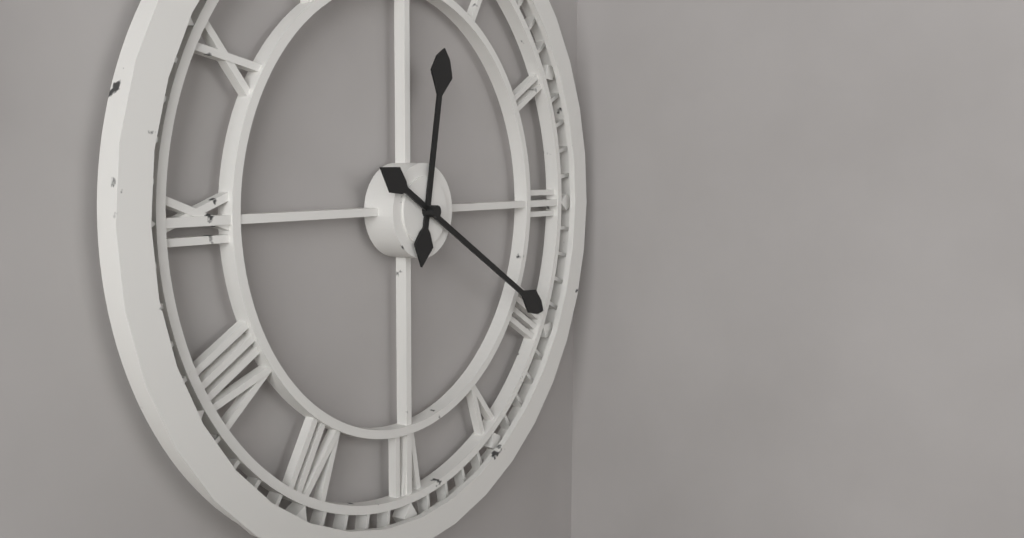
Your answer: **12:20**
